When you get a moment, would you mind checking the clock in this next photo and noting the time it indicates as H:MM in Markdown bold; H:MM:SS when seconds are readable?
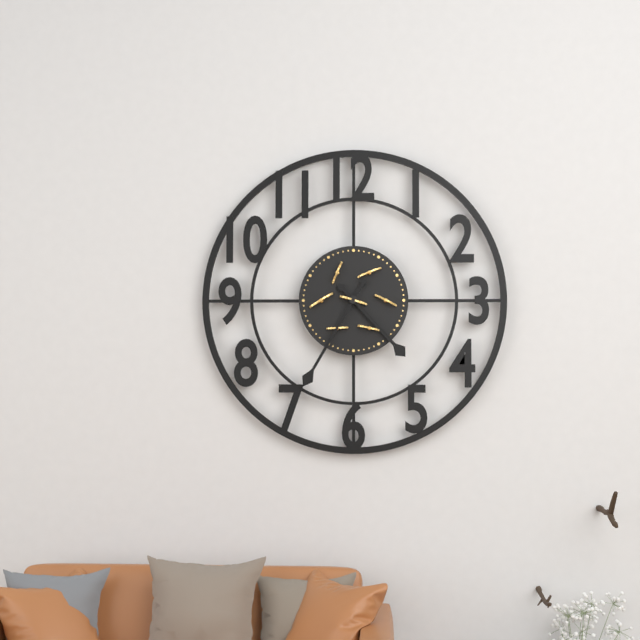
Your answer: **4:35**
